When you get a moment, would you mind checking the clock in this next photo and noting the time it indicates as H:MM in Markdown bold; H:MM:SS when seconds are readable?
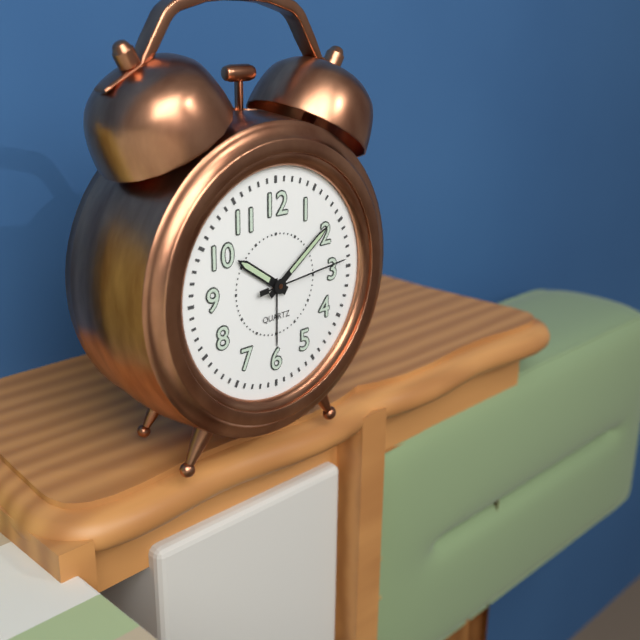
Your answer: **10:09:14**
